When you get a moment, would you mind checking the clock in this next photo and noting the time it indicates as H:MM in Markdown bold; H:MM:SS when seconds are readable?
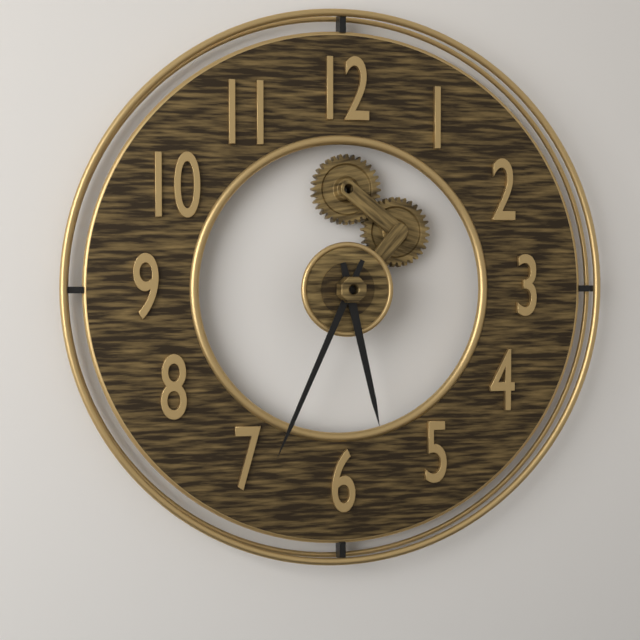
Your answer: **5:34**
